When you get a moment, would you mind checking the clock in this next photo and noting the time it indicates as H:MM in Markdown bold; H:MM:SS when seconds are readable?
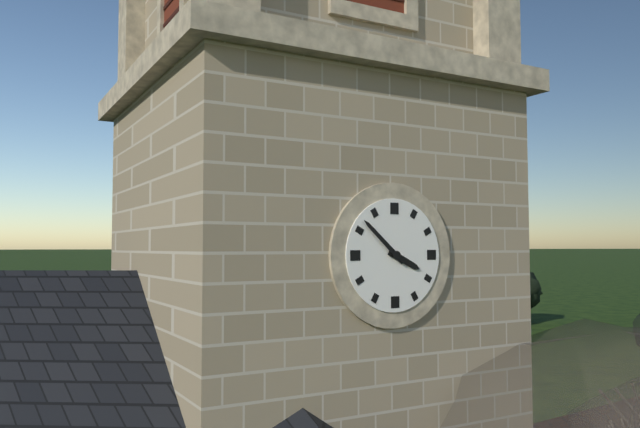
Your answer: **3:52**
